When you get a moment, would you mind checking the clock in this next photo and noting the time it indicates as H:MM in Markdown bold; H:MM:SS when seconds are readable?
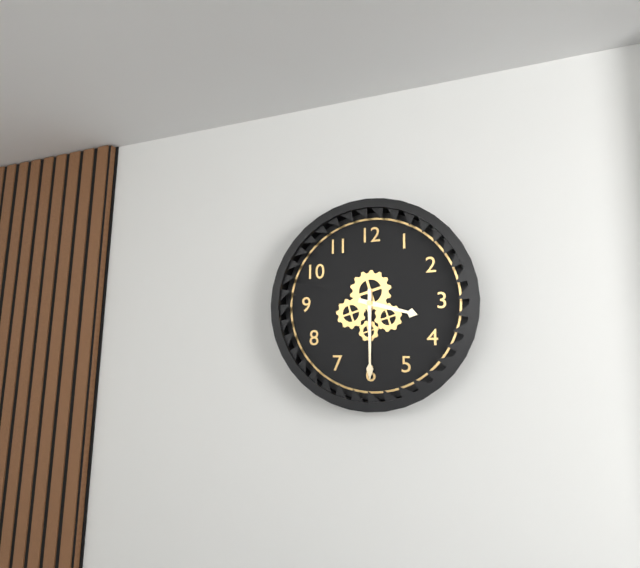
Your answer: **3:30**
